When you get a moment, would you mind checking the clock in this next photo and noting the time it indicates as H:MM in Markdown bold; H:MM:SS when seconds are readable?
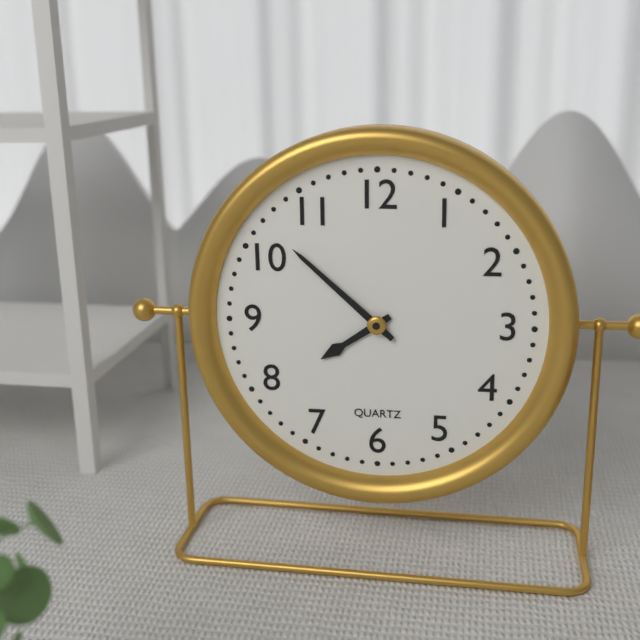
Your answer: **7:52**
